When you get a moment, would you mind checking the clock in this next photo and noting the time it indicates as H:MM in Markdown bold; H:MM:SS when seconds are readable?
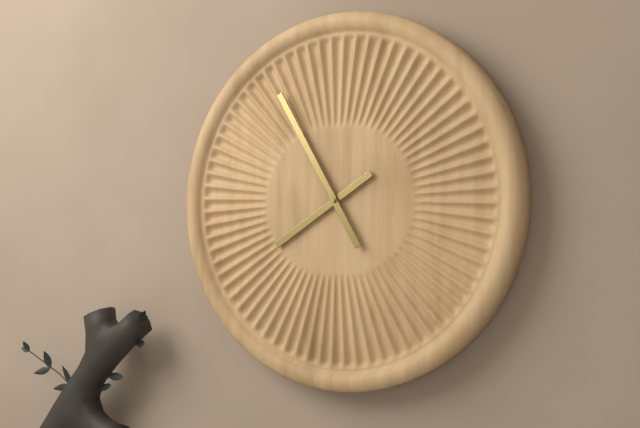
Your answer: **7:55**
